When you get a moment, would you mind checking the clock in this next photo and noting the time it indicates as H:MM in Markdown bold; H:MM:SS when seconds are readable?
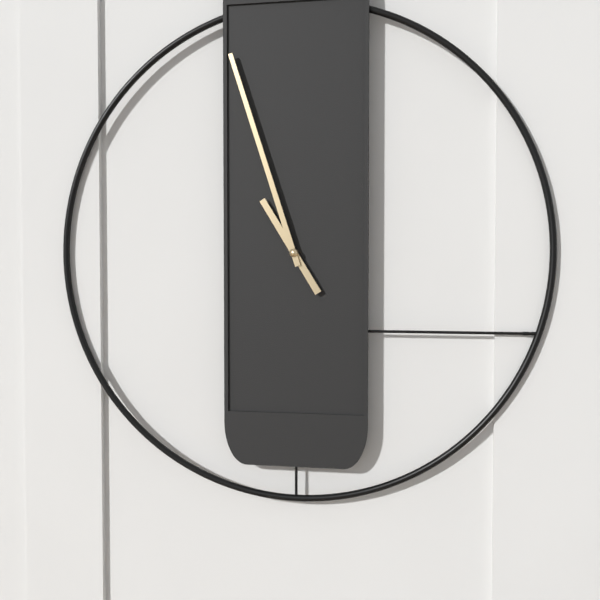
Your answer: **10:57**
